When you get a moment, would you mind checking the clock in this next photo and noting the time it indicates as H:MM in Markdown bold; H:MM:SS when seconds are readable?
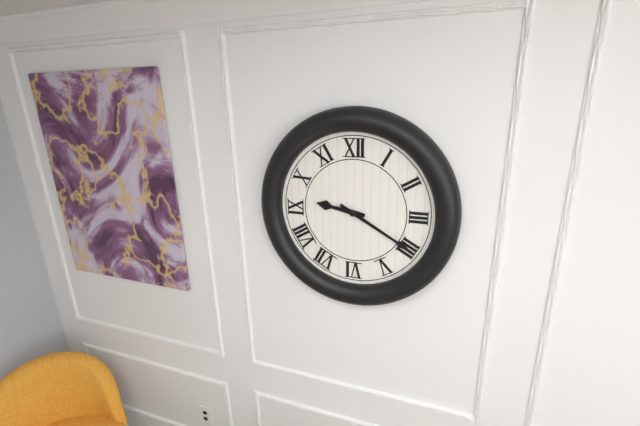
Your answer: **9:20**
